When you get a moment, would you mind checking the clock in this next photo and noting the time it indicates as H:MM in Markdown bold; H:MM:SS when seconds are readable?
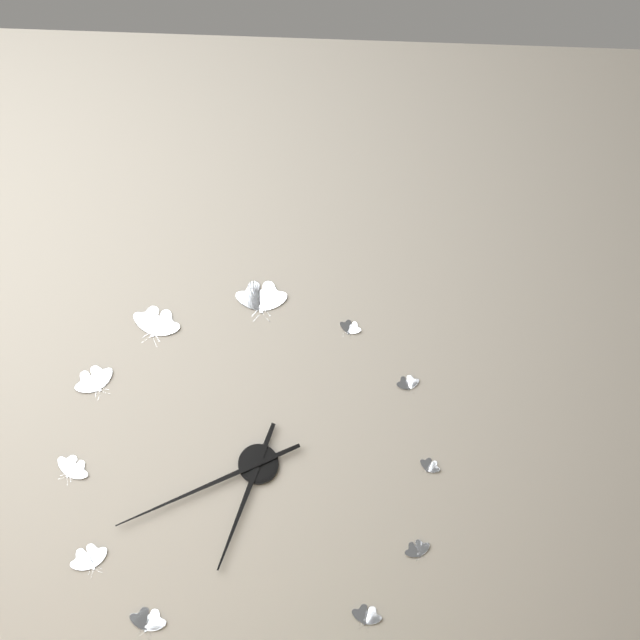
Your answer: **6:41**
